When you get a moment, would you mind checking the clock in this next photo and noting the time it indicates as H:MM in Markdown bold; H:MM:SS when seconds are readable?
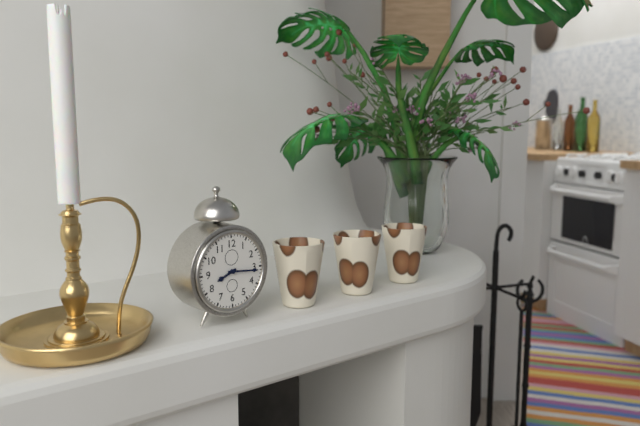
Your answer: **8:16**
